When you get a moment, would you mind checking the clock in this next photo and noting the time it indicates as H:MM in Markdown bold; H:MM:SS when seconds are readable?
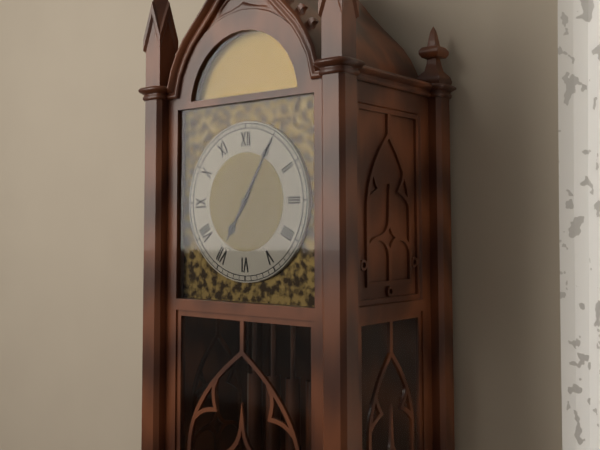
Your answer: **7:05**
